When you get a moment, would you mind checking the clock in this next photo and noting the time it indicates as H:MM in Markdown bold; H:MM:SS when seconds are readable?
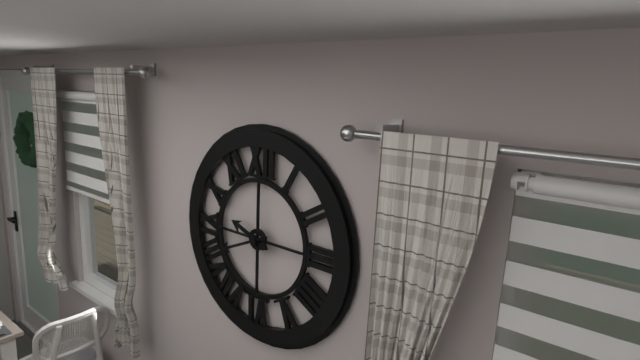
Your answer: **9:41**
